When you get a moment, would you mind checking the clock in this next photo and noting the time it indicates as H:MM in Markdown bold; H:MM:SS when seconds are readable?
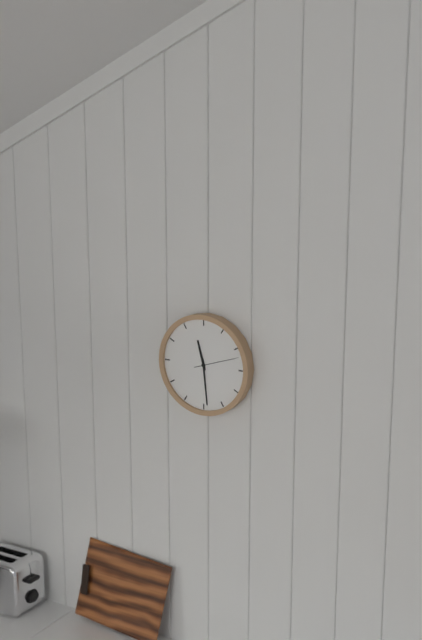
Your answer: **11:29**
